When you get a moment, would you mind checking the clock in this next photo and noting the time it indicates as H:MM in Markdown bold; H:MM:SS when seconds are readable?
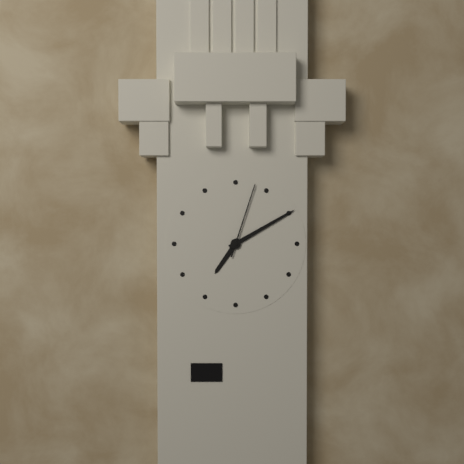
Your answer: **7:10:03**
